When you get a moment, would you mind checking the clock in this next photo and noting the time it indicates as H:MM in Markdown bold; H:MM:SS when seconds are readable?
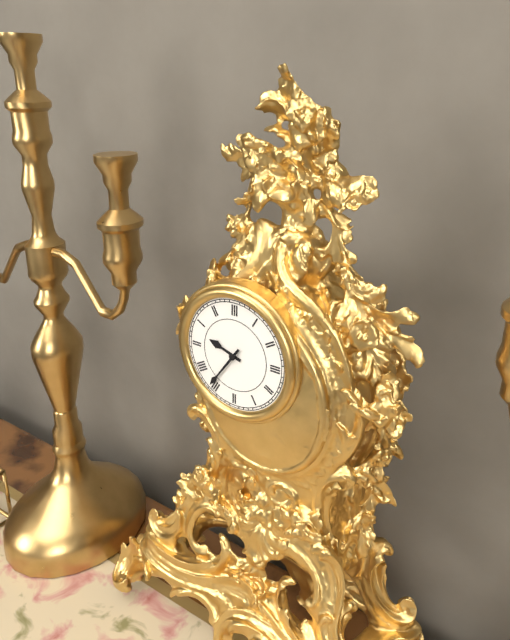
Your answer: **9:36**
